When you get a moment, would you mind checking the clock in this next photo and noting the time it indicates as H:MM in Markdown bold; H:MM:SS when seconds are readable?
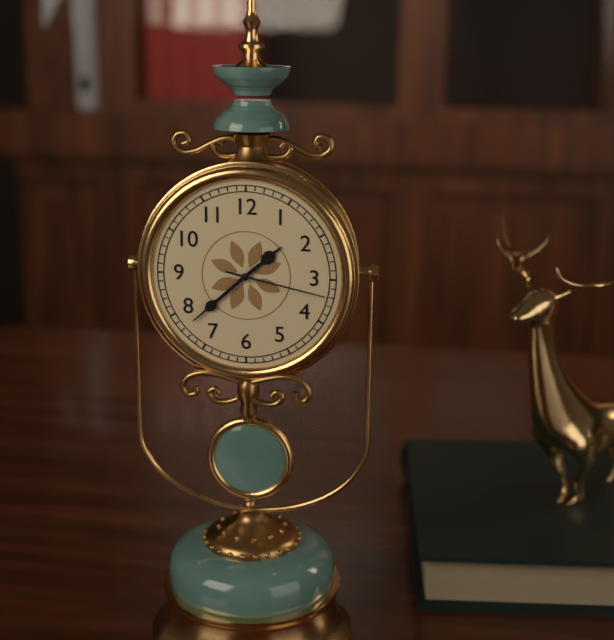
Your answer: **1:38:17**
